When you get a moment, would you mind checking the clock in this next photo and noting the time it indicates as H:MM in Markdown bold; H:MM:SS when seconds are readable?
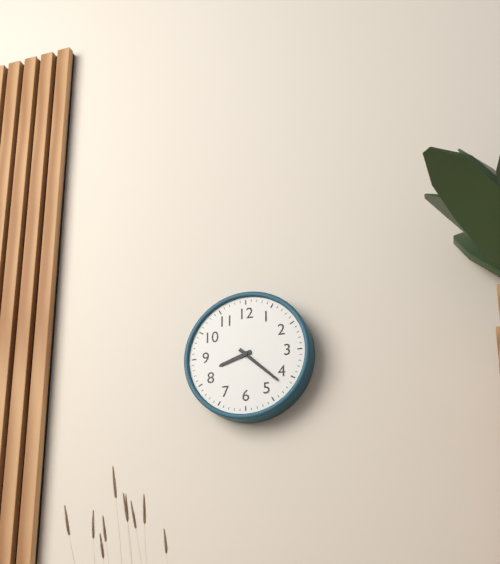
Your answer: **8:22**
